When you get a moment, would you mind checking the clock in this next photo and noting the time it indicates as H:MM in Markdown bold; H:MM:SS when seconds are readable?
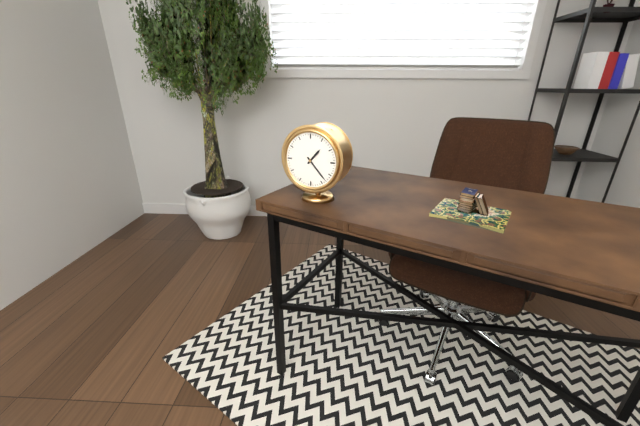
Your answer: **1:23**
